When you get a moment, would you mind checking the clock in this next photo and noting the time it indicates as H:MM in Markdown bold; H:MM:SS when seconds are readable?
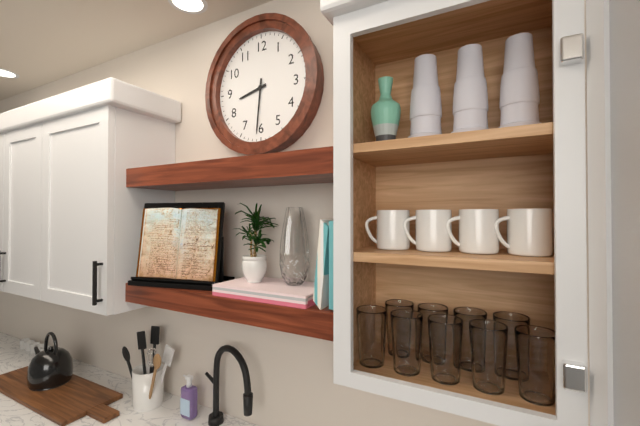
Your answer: **8:31**
